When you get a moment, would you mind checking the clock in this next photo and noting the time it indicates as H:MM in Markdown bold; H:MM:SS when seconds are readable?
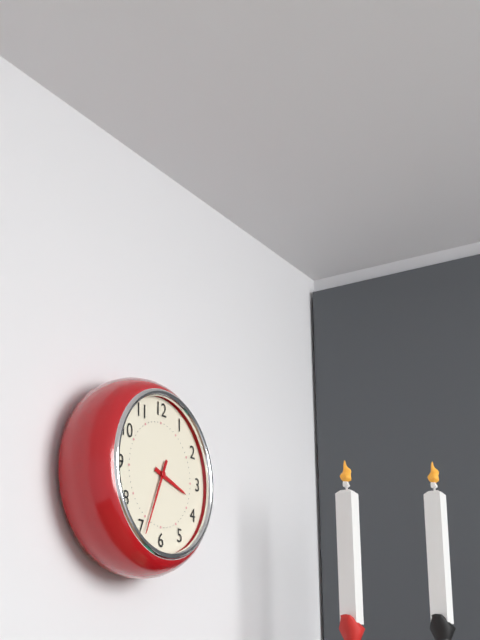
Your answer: **3:34**
